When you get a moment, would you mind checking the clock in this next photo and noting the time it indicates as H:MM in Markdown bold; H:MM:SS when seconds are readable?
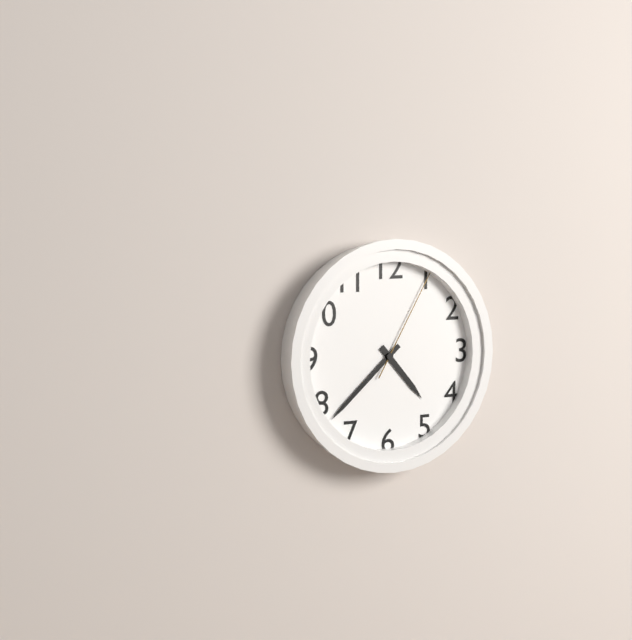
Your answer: **4:38:05**
